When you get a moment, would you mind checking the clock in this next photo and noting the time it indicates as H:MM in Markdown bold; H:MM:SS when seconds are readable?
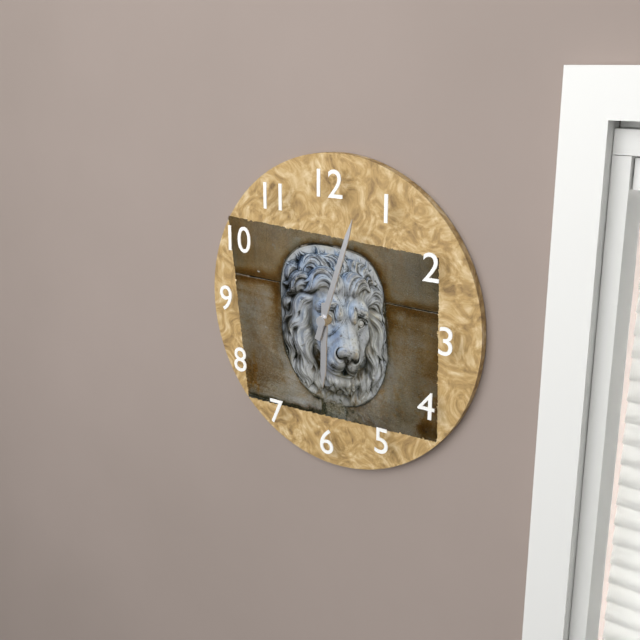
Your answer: **6:03**
